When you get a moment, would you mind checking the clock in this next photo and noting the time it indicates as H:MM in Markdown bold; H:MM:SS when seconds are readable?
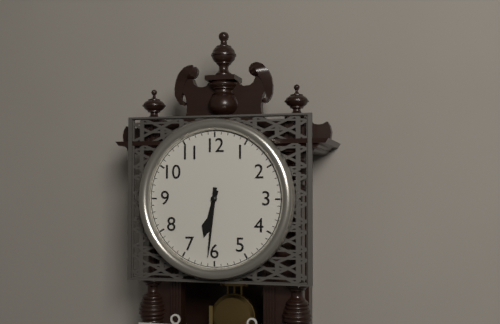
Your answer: **6:31**
